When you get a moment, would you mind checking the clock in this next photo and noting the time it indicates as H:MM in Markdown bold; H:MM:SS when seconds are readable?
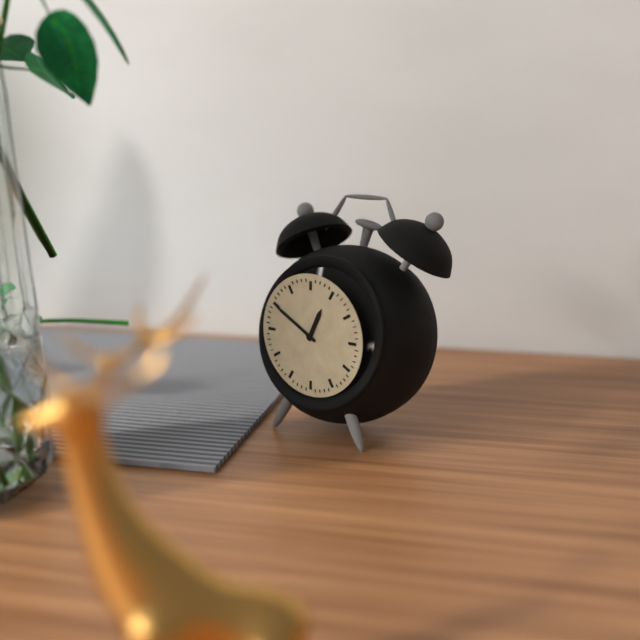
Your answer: **12:50**
